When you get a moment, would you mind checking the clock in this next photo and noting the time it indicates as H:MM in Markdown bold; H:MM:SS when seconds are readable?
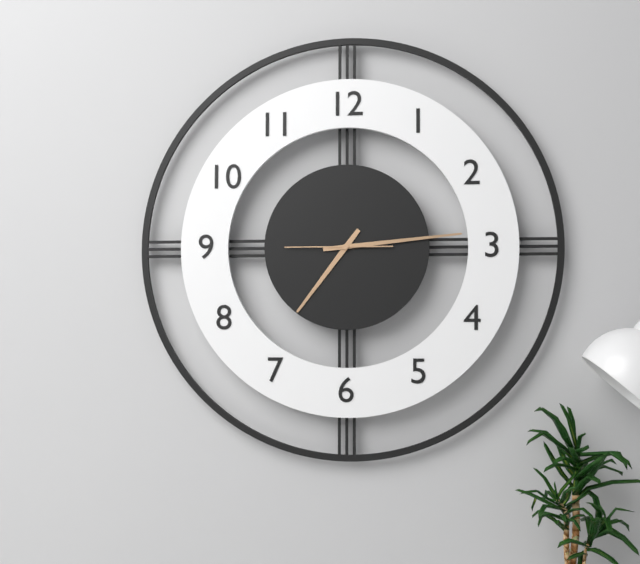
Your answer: **7:14:45**
